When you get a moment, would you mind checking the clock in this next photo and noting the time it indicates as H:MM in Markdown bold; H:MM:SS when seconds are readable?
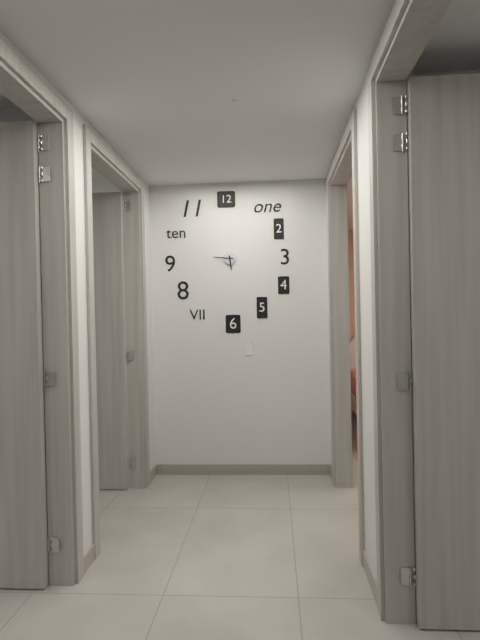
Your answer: **5:46**
